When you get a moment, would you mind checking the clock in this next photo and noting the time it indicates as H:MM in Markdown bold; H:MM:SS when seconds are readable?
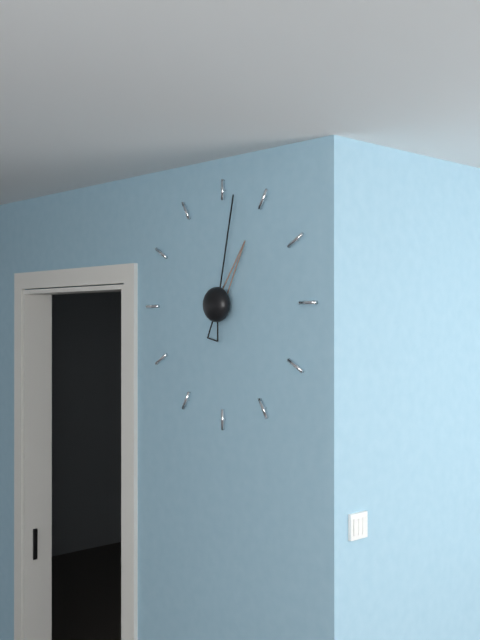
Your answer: **1:02**
